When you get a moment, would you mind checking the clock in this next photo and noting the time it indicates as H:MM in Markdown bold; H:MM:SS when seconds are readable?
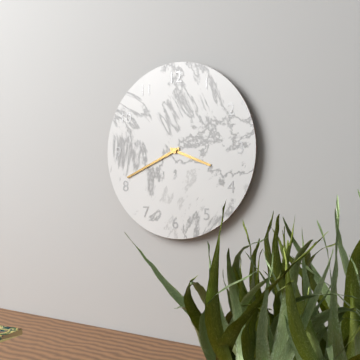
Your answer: **3:41**
